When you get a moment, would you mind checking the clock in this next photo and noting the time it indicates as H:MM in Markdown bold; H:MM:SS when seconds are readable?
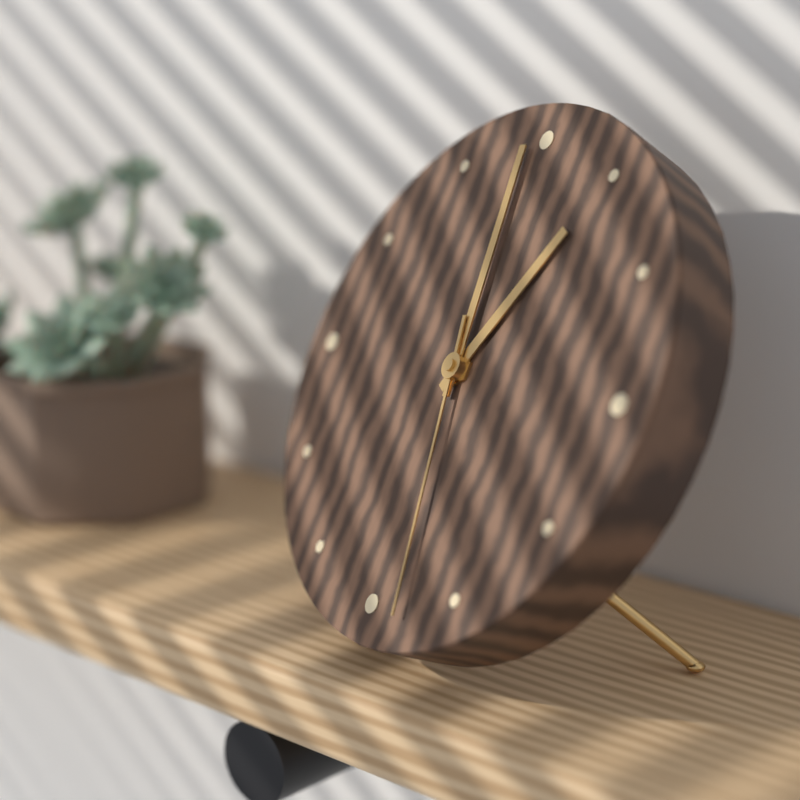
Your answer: **12:59:28**
